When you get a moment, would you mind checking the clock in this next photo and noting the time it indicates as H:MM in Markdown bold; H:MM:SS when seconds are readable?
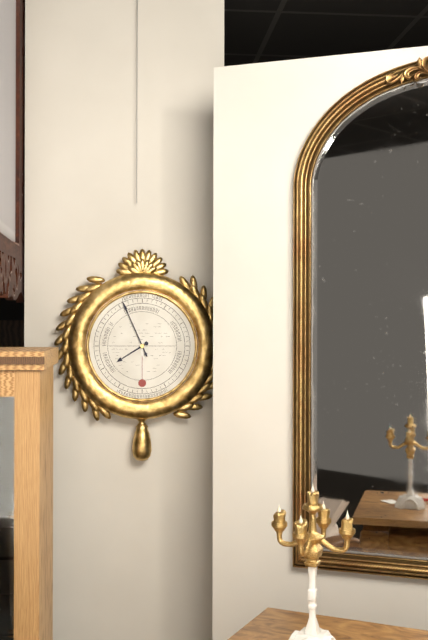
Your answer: **7:56**
